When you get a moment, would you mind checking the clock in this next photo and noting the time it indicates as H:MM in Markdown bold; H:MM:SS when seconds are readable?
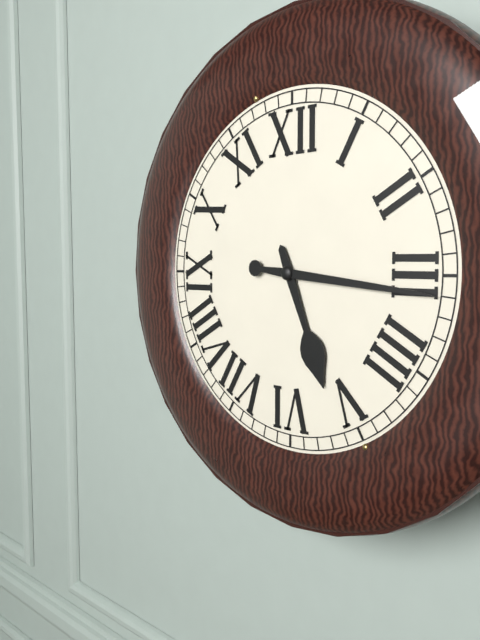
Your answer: **5:16**
